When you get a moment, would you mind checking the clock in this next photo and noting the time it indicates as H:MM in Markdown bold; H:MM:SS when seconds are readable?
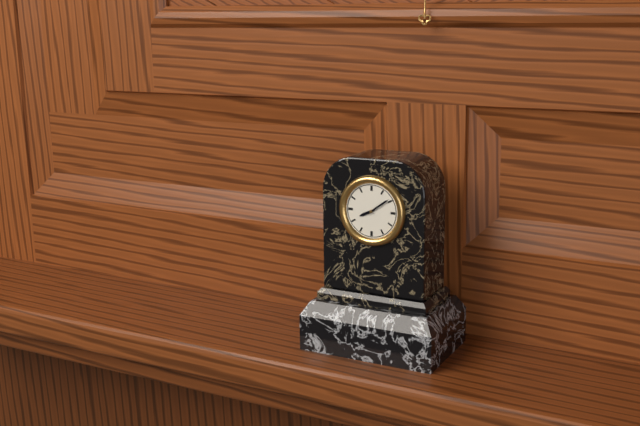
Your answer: **8:09**
